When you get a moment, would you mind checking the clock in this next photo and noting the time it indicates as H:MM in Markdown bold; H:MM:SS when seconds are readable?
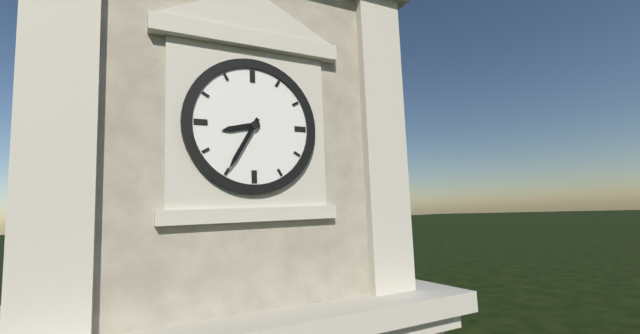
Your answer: **8:35**
